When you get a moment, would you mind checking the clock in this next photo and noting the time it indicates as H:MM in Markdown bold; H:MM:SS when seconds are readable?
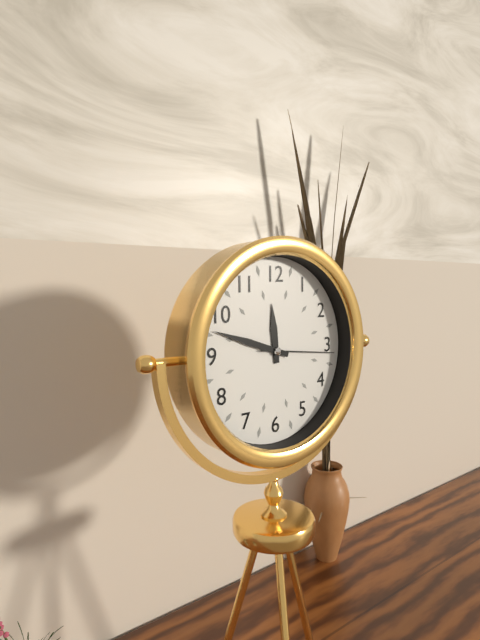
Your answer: **11:48:16**
